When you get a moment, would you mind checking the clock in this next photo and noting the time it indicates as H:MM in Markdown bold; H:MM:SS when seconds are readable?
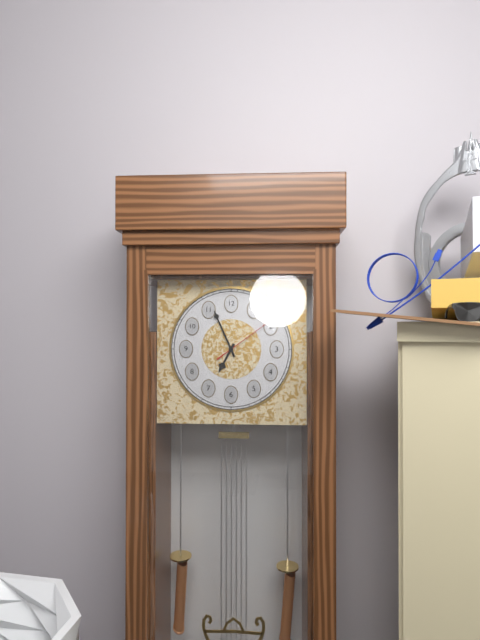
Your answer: **6:56:09**
